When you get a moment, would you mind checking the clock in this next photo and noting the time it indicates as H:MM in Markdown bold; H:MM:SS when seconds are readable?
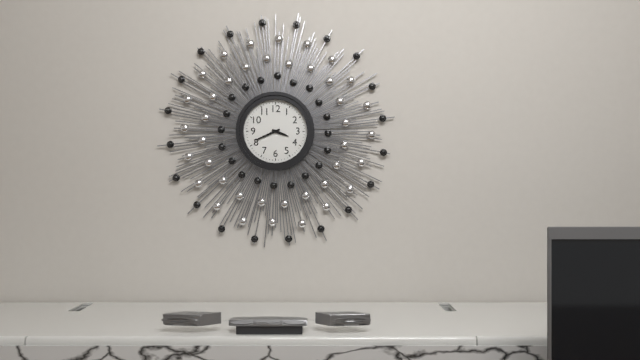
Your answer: **3:41**
